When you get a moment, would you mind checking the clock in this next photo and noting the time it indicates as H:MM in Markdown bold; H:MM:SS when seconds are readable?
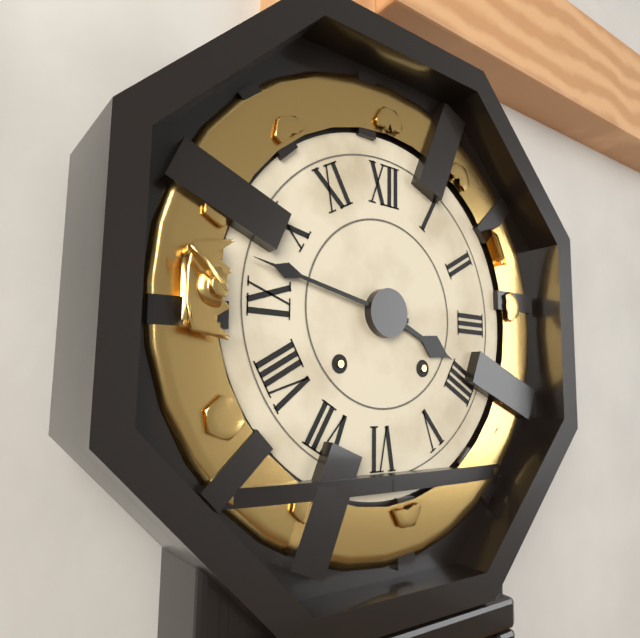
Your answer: **3:47**
